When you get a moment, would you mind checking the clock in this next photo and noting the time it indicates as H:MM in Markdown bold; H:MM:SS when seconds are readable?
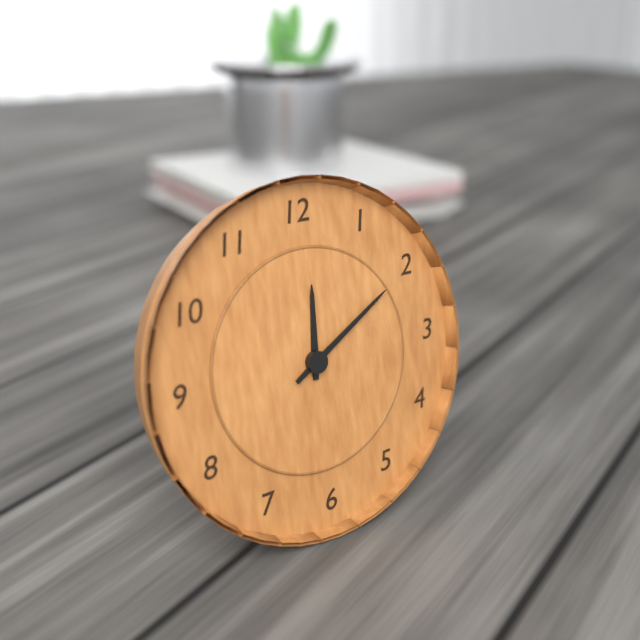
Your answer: **12:10**
